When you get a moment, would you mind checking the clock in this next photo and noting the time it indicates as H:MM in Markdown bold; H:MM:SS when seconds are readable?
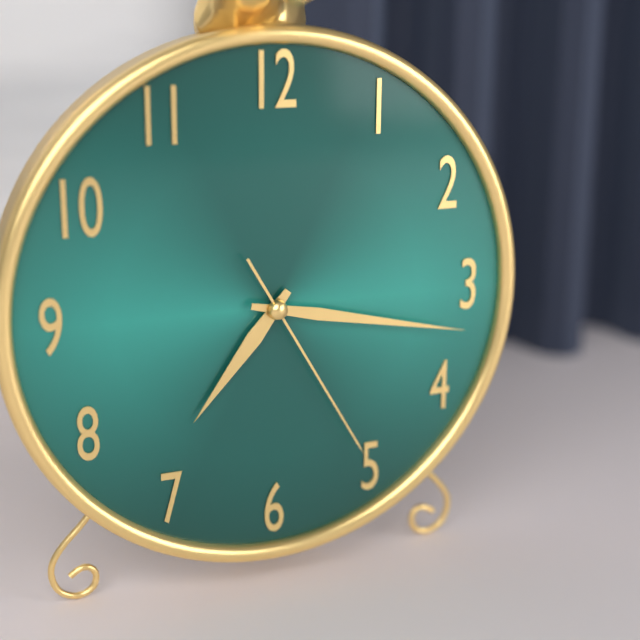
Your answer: **7:17:25**
